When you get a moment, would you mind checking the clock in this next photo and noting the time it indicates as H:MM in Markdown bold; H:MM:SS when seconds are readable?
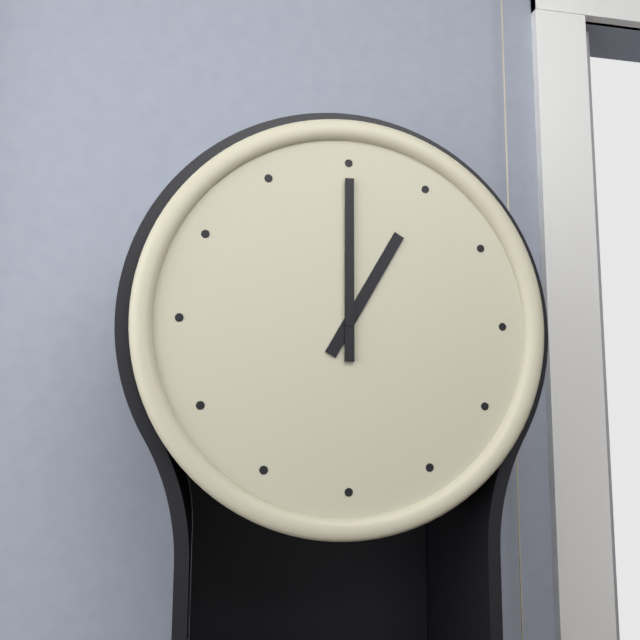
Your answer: **1:00**
